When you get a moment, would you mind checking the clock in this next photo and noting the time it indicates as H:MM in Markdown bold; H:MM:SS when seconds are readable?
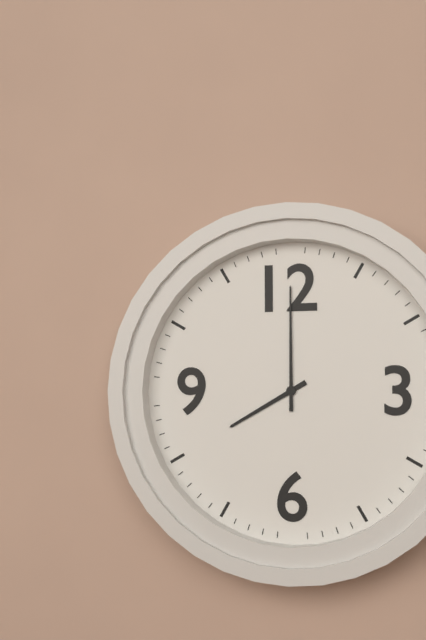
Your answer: **8:00**
